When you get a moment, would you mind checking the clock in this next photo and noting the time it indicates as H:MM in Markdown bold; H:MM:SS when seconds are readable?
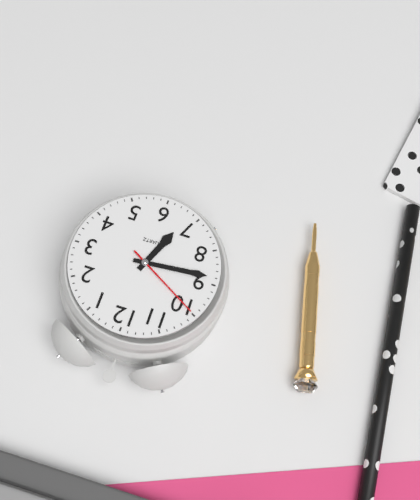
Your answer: **6:44:50**
